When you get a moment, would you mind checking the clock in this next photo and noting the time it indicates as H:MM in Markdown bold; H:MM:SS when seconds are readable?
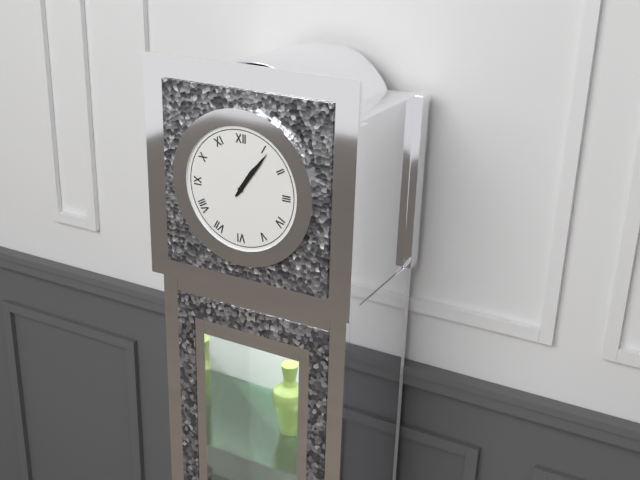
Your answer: **1:06**
